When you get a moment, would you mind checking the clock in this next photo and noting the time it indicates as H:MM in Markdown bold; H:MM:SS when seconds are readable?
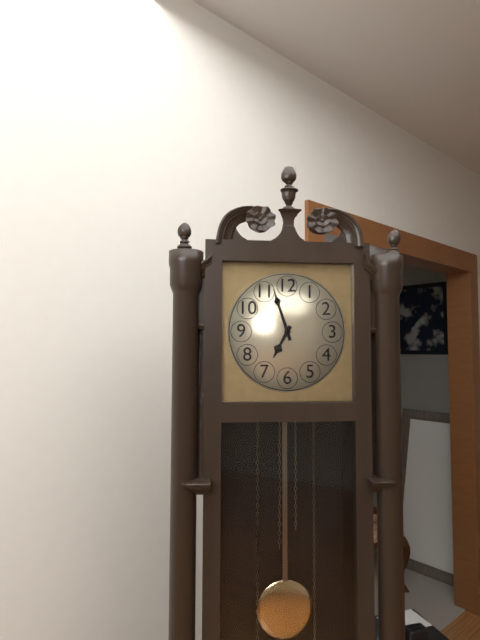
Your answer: **6:57**
